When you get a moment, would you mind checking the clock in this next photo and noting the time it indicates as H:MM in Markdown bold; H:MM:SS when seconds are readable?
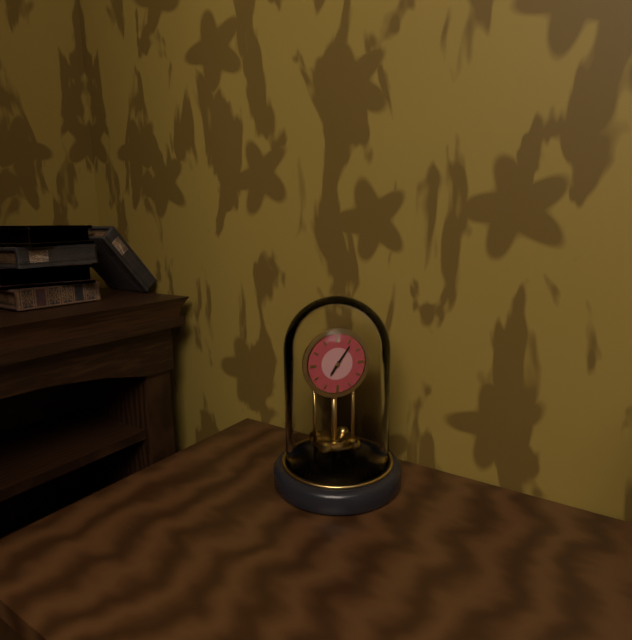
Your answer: **7:06**
